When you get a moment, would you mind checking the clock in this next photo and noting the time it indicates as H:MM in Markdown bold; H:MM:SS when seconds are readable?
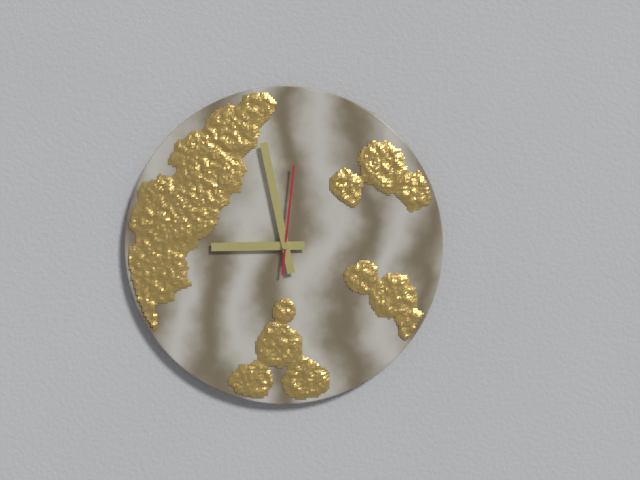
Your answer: **8:58:01**
